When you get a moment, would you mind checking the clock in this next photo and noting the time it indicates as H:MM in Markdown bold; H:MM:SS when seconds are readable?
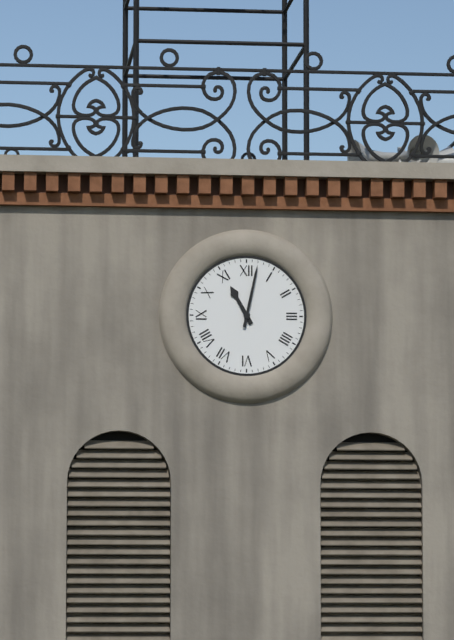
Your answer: **11:02**
